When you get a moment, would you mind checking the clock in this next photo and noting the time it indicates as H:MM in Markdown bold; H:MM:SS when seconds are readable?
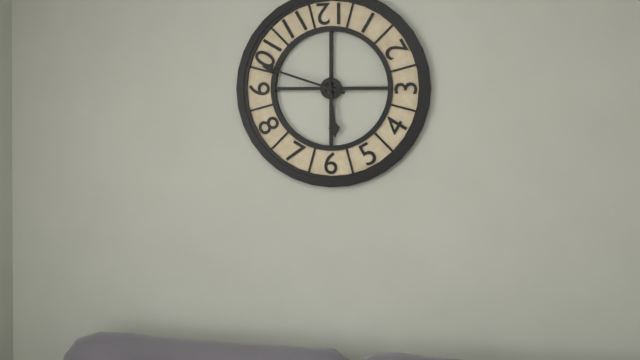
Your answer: **5:48**
